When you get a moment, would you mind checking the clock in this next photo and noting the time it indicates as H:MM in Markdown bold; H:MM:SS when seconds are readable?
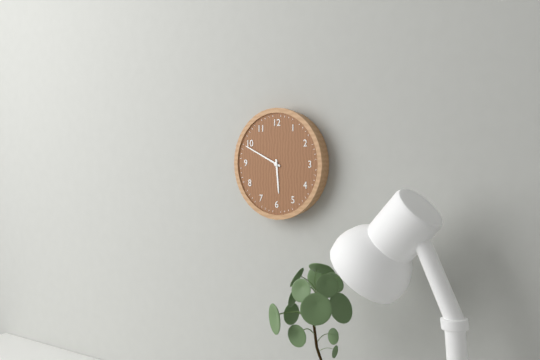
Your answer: **5:49**
